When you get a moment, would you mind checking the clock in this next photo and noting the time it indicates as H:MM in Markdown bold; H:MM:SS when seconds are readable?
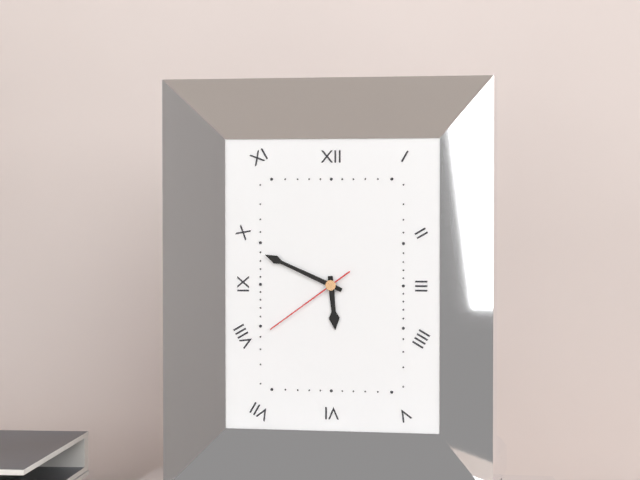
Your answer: **5:49:39**
